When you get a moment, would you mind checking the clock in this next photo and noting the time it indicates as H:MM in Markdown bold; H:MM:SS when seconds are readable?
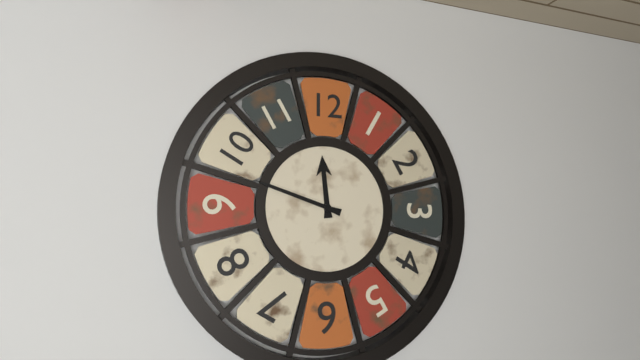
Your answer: **11:48**
